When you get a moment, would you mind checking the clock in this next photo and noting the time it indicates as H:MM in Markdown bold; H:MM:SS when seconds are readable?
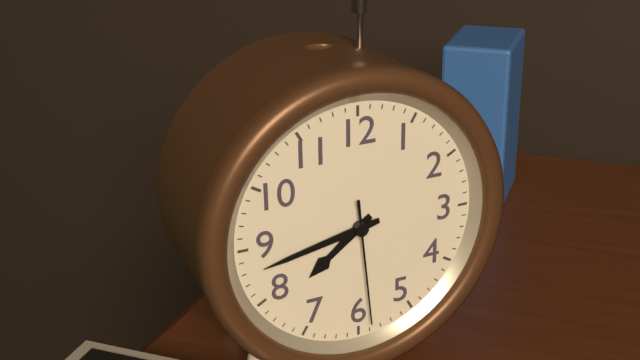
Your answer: **7:43:29**
